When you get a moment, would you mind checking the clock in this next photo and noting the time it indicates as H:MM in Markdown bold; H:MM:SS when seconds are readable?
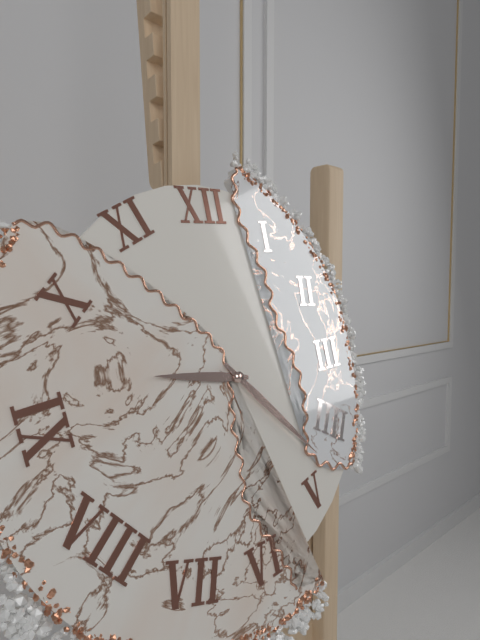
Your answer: **9:23**
